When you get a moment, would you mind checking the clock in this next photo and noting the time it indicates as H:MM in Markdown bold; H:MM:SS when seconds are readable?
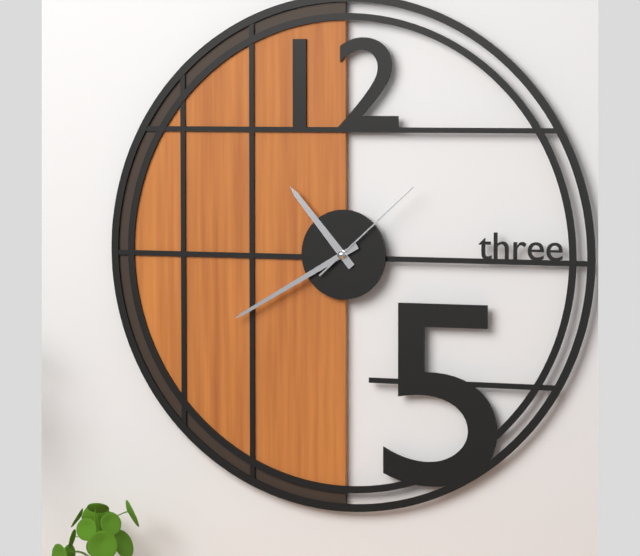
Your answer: **10:40:08**
